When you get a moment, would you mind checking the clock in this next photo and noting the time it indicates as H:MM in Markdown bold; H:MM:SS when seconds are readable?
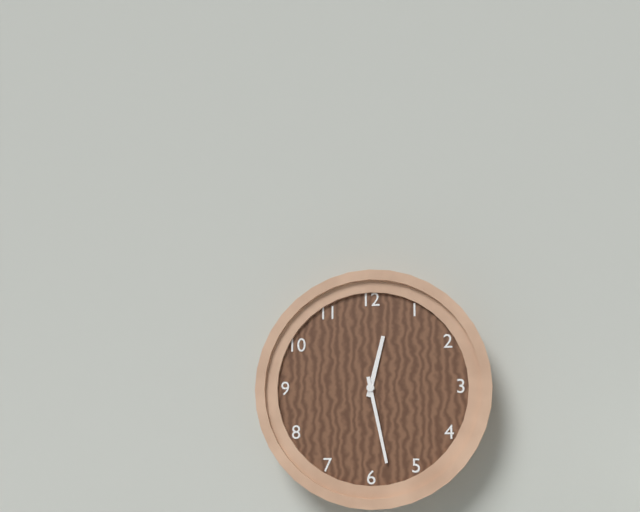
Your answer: **12:28**
